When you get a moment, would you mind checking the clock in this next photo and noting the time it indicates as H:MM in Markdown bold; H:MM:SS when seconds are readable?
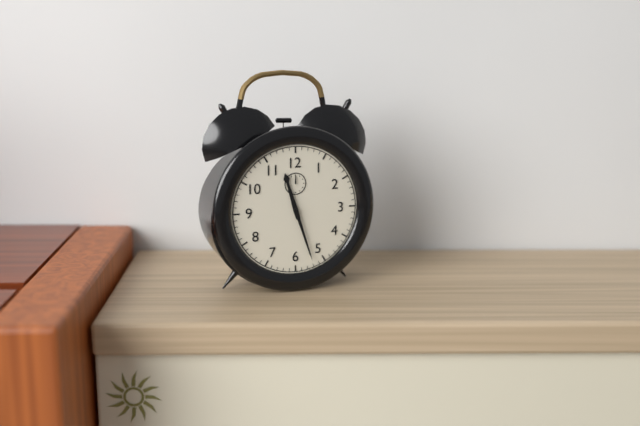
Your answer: **11:27**
